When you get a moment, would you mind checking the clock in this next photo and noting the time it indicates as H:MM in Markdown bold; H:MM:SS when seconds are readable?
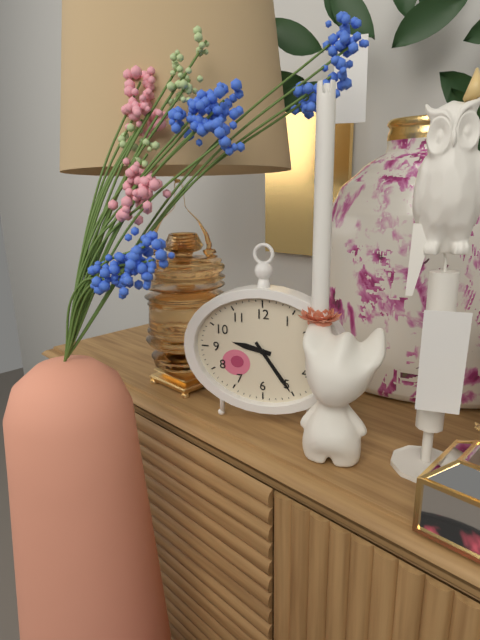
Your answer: **9:24**
